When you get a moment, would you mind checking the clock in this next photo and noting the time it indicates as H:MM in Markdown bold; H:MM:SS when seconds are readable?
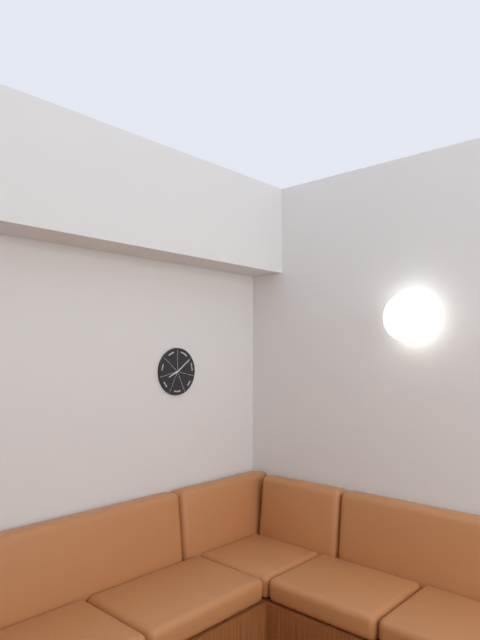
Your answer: **8:09**
